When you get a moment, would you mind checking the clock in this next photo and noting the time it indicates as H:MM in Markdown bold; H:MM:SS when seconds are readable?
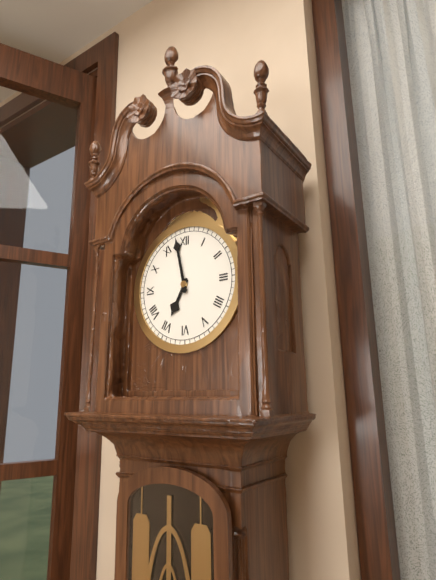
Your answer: **6:58**
